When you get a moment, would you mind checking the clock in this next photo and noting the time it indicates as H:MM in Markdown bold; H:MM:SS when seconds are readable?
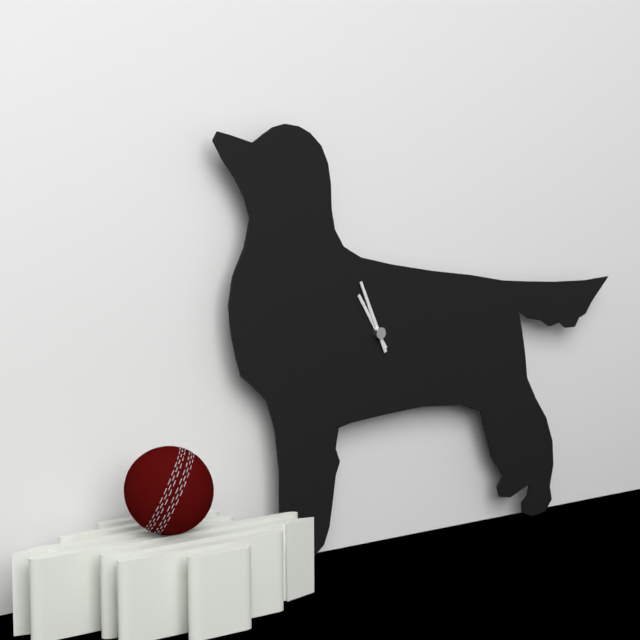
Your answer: **10:56**
